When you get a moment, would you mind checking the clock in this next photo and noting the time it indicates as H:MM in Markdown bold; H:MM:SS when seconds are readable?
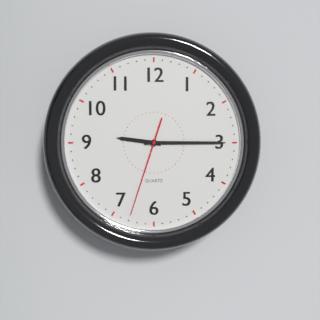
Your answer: **9:15:33**
